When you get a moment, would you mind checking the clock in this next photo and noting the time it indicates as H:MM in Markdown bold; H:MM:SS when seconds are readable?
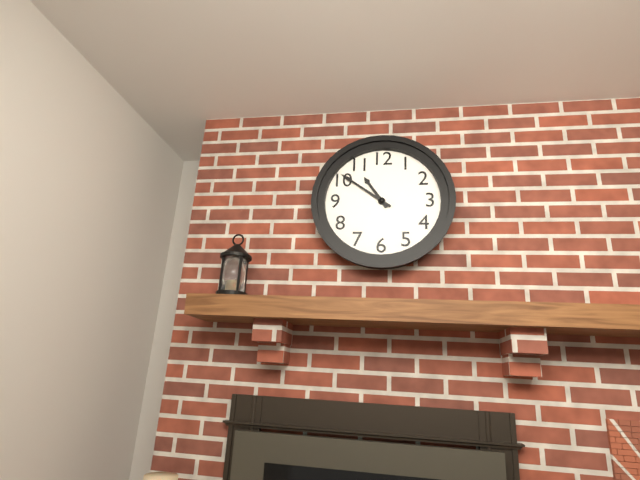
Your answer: **10:51**
